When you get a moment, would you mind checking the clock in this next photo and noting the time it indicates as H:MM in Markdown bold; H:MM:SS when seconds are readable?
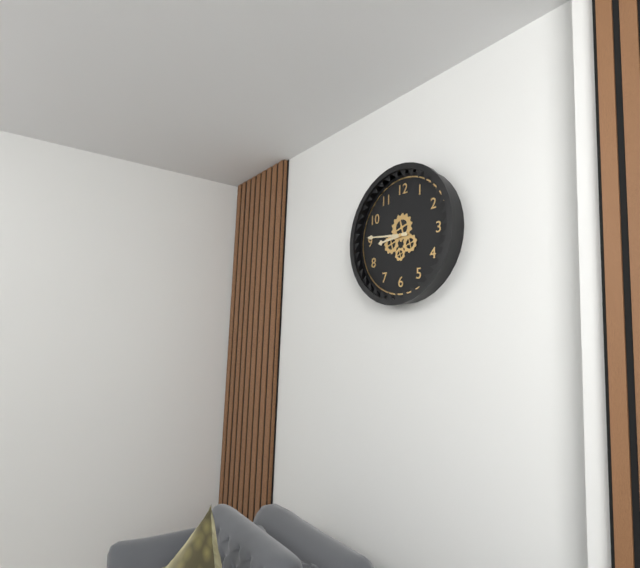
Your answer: **8:46**
